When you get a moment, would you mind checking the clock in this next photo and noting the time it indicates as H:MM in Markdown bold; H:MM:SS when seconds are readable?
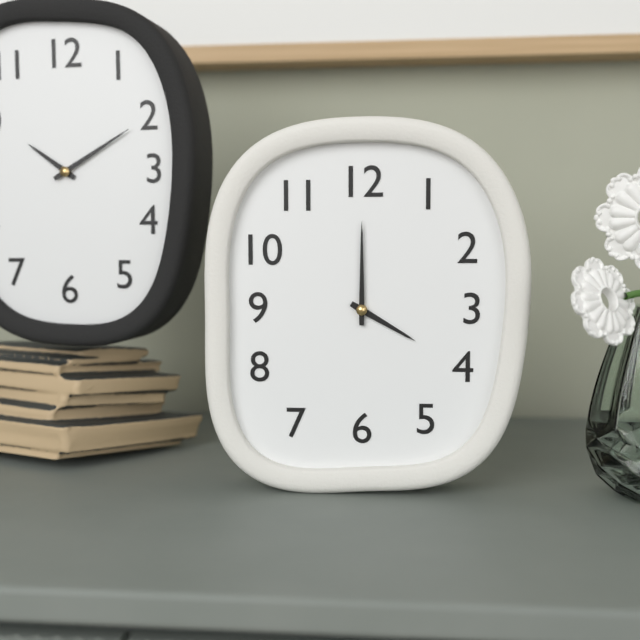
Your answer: **4:00**
